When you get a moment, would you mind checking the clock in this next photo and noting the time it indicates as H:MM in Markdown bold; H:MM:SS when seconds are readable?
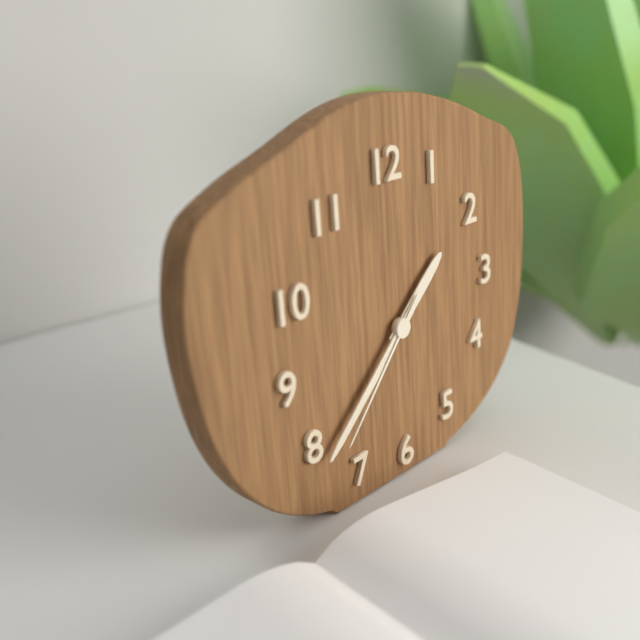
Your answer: **1:38:37**
